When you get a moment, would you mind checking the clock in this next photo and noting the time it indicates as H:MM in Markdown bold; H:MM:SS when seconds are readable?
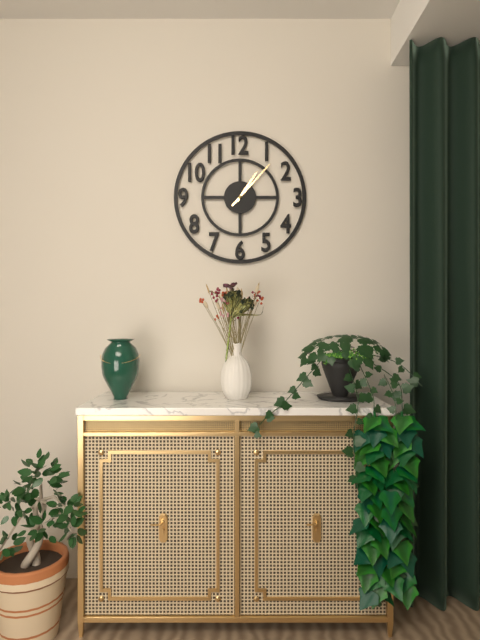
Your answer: **1:07**
